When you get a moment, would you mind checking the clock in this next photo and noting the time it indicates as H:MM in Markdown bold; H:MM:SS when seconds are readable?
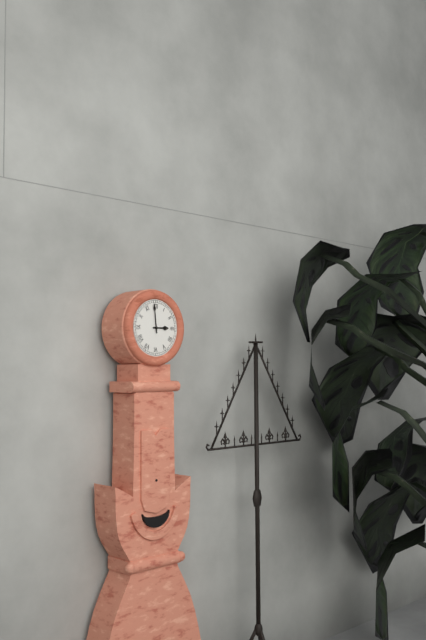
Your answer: **2:59**
